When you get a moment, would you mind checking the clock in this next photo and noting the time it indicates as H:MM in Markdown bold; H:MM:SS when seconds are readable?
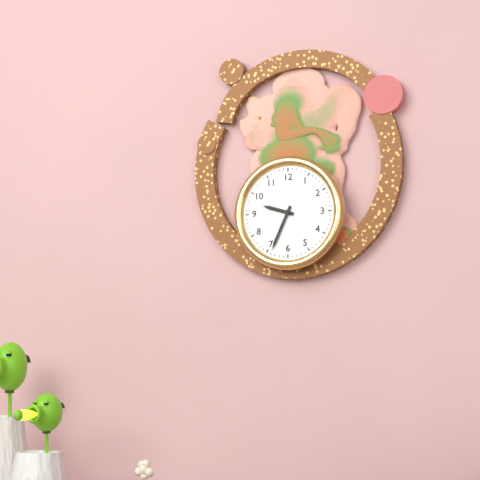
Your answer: **9:34**
